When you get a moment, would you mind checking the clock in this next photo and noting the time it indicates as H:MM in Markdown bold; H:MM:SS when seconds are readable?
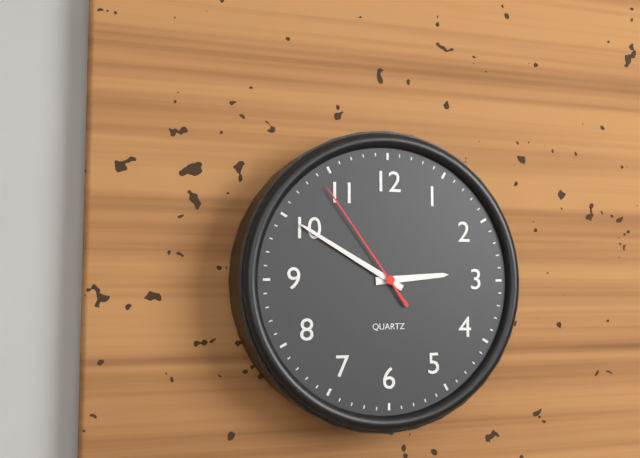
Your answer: **2:50:54**
